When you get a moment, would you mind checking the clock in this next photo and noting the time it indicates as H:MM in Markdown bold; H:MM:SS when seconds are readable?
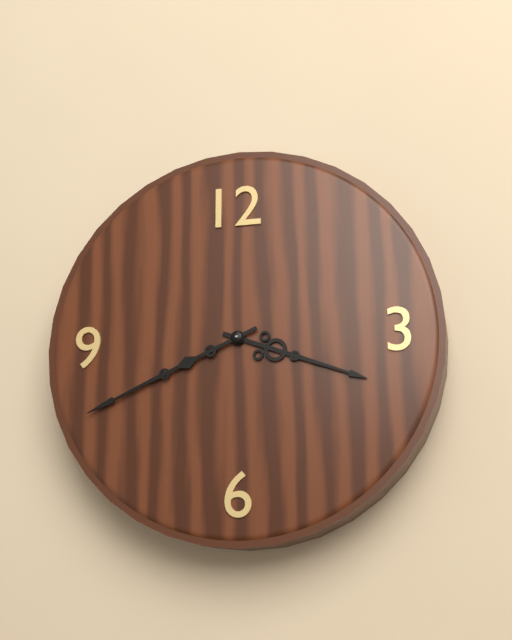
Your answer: **3:41**
